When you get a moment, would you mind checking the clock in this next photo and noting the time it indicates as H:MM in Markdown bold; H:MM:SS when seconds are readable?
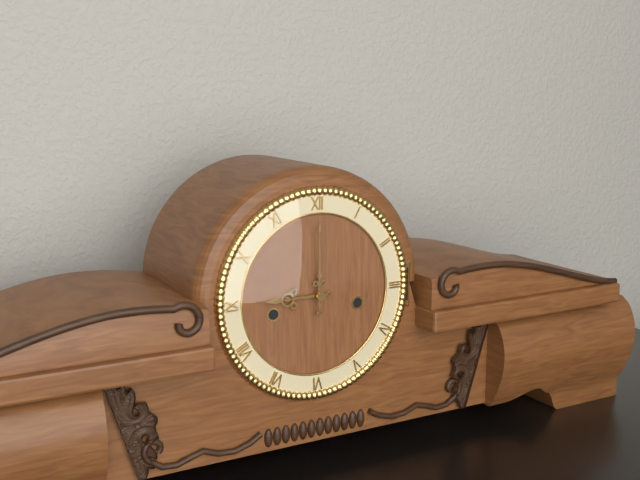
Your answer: **9:00**
